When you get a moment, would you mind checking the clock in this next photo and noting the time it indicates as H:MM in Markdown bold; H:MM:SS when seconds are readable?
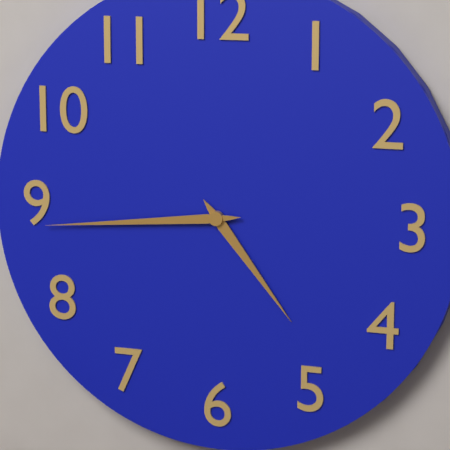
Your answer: **4:44**
